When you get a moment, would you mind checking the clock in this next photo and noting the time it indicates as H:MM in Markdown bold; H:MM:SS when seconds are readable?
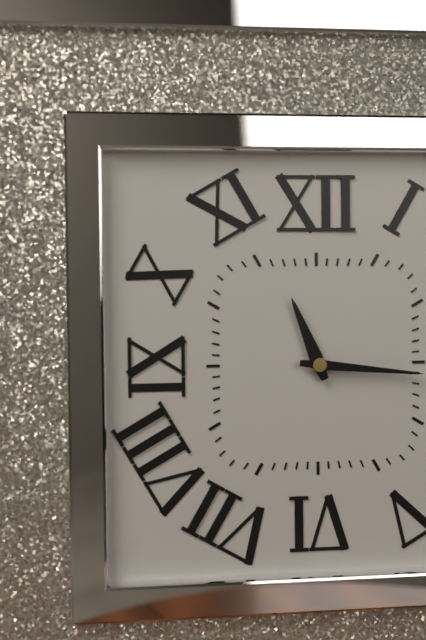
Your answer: **11:16**
